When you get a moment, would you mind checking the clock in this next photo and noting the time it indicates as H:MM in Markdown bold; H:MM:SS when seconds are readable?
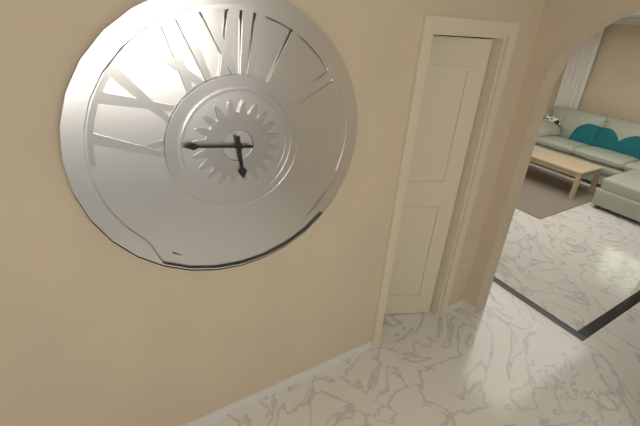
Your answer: **5:46**
